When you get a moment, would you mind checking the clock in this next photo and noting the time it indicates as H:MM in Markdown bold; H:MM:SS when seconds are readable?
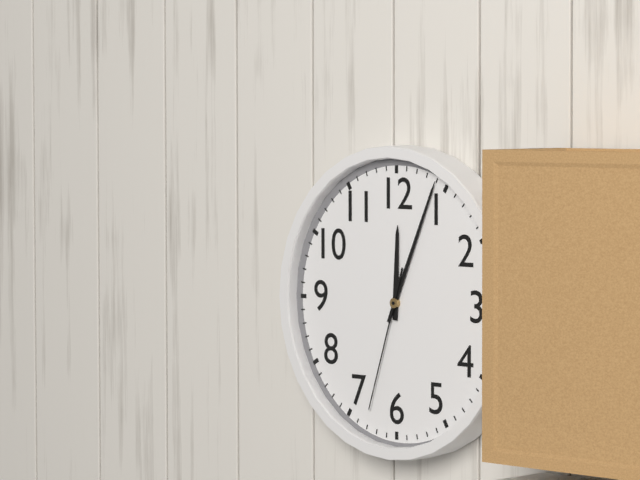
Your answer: **12:04:33**
